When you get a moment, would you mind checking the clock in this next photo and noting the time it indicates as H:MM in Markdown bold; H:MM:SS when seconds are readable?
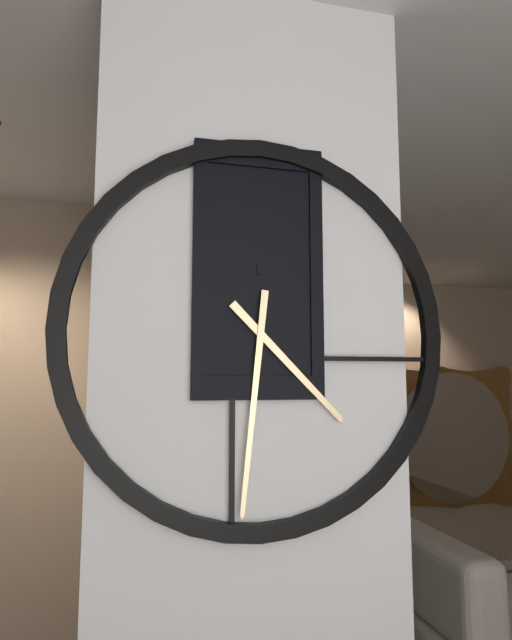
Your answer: **4:31**
